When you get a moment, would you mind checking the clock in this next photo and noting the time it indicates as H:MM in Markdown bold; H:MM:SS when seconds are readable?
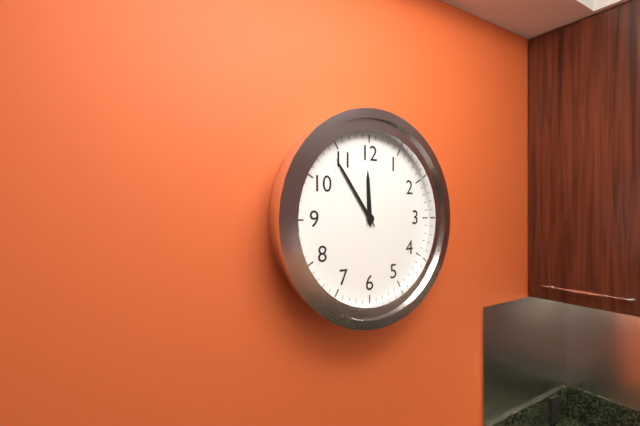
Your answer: **11:54**
